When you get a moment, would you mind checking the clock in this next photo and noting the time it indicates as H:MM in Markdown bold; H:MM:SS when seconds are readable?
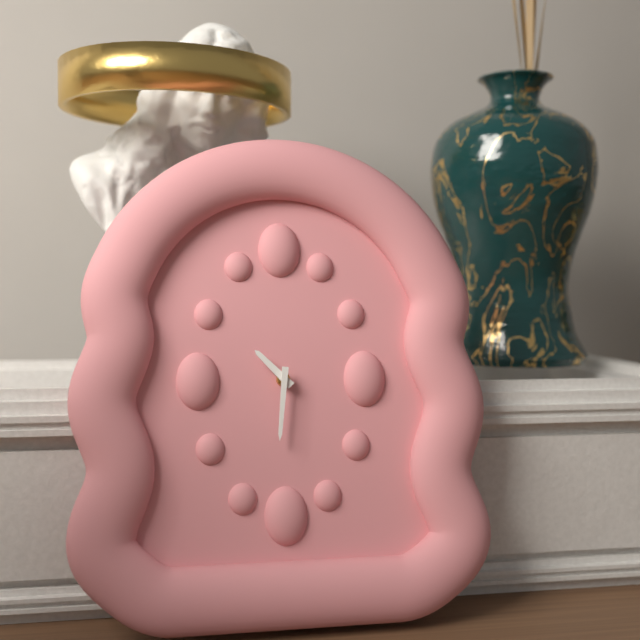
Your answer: **10:31**
